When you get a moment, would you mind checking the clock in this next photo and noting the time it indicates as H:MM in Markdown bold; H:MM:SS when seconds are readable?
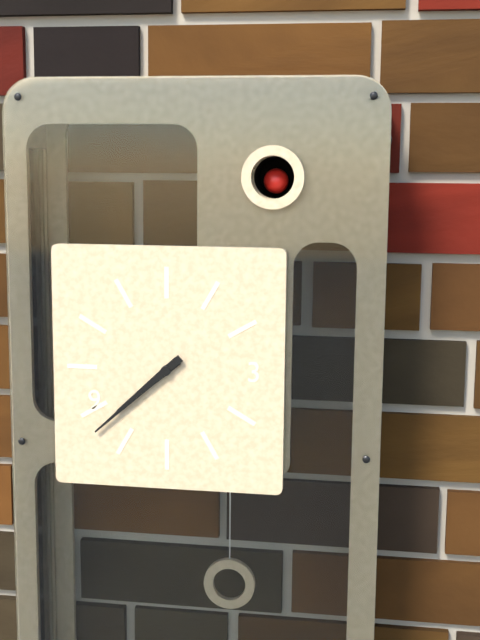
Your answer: **7:38**
